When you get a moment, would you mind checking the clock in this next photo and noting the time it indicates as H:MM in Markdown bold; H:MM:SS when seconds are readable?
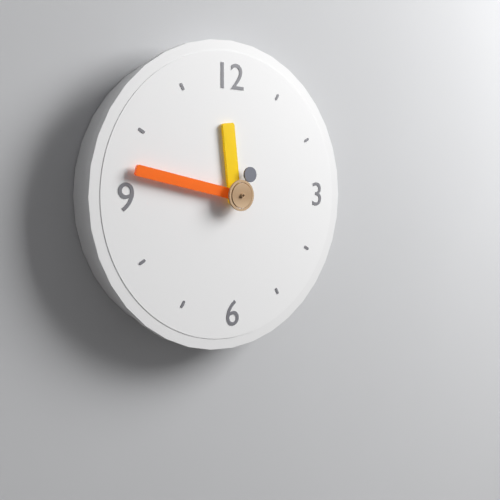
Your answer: **11:47**
